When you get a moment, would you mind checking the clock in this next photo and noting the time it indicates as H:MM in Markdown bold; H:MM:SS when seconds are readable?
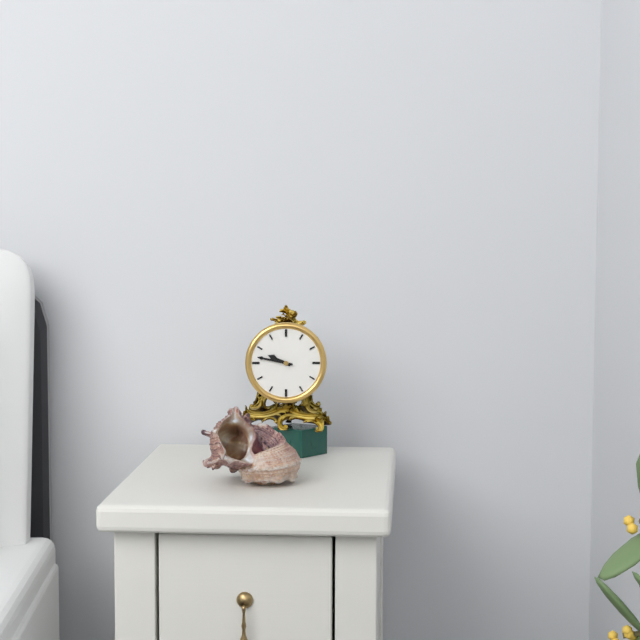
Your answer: **9:47**
